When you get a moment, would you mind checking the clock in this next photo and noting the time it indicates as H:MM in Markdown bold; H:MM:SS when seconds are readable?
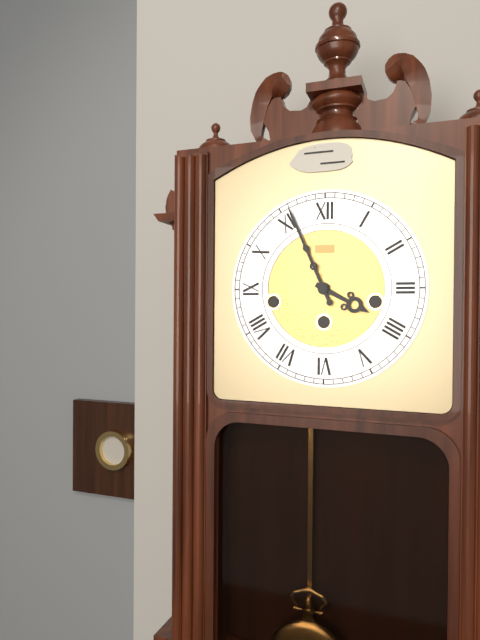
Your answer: **3:56**
